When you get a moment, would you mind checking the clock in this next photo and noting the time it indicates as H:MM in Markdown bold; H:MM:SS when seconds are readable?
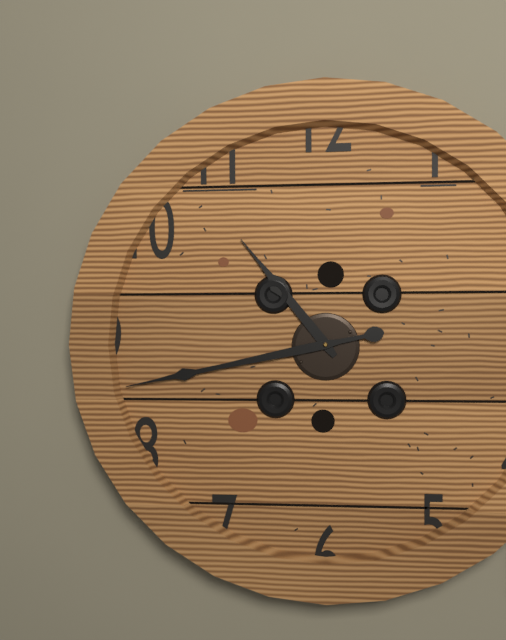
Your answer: **10:43**
